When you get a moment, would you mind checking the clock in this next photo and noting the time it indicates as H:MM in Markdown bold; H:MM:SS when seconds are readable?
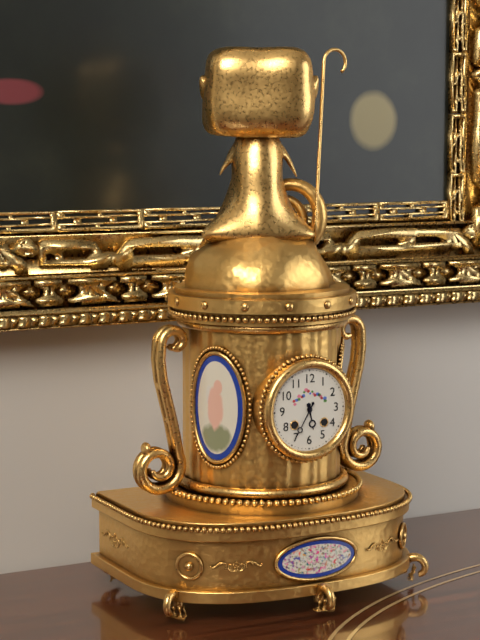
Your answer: **5:35**
